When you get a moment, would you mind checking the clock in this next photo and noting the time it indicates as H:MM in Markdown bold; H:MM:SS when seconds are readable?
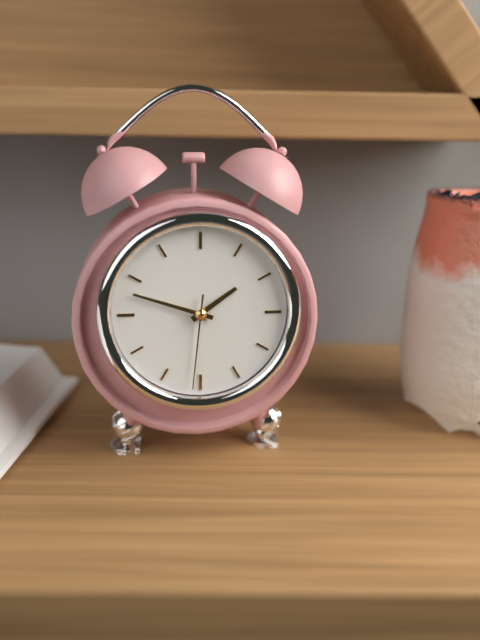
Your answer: **1:48:31**
